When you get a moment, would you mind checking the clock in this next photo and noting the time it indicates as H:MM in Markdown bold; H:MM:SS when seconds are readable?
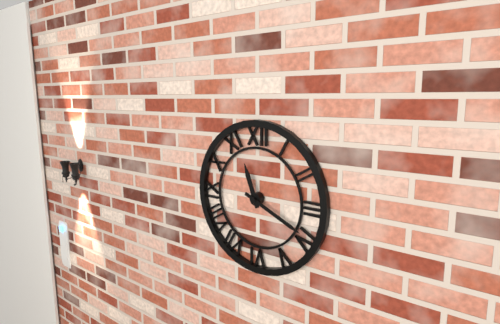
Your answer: **11:19**
